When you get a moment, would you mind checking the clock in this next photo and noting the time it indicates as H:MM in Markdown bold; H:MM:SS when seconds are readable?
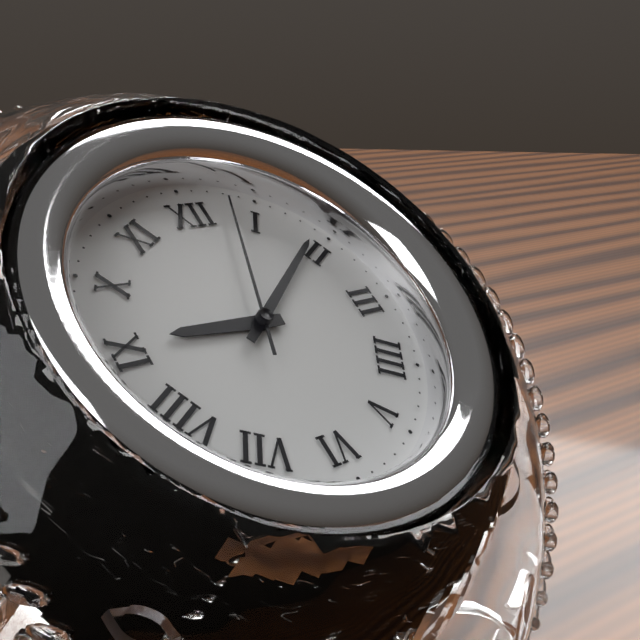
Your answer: **9:09:03**
